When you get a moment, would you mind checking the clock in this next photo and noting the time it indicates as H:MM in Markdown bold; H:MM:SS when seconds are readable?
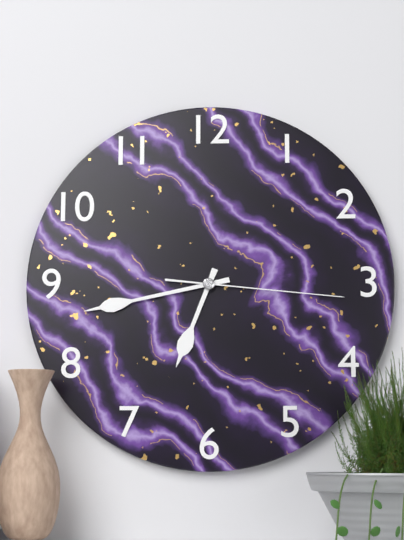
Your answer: **6:43:16**
